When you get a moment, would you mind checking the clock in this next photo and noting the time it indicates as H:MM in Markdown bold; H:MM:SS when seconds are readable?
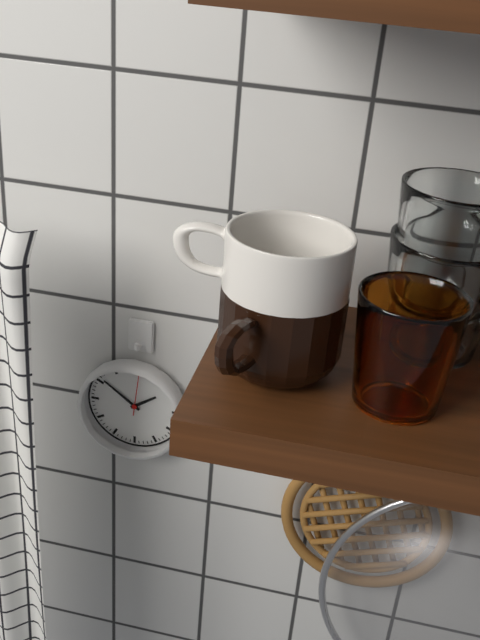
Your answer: **1:51**
